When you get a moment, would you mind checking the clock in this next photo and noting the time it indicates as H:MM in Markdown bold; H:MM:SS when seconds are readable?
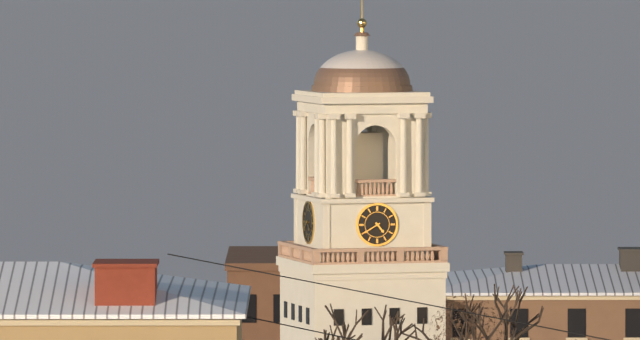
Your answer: **4:40**
